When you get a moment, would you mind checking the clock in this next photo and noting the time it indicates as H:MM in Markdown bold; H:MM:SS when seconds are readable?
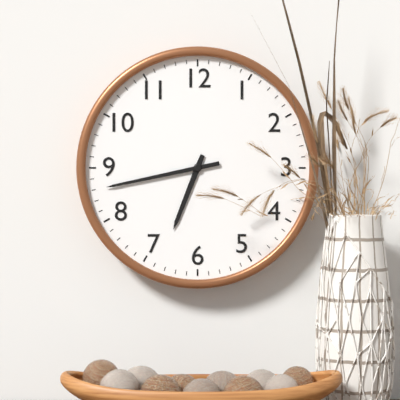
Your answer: **6:43**
